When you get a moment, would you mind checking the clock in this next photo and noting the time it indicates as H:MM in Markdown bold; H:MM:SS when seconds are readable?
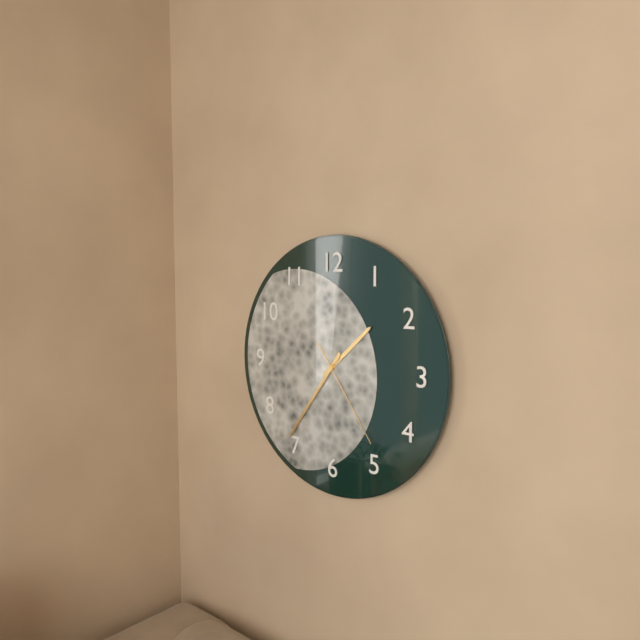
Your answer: **1:36:24**
